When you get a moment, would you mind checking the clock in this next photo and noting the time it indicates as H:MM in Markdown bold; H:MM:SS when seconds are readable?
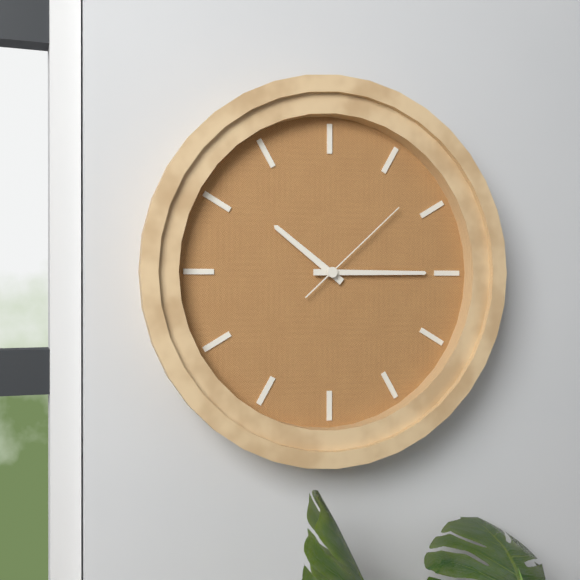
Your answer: **10:15:08**
